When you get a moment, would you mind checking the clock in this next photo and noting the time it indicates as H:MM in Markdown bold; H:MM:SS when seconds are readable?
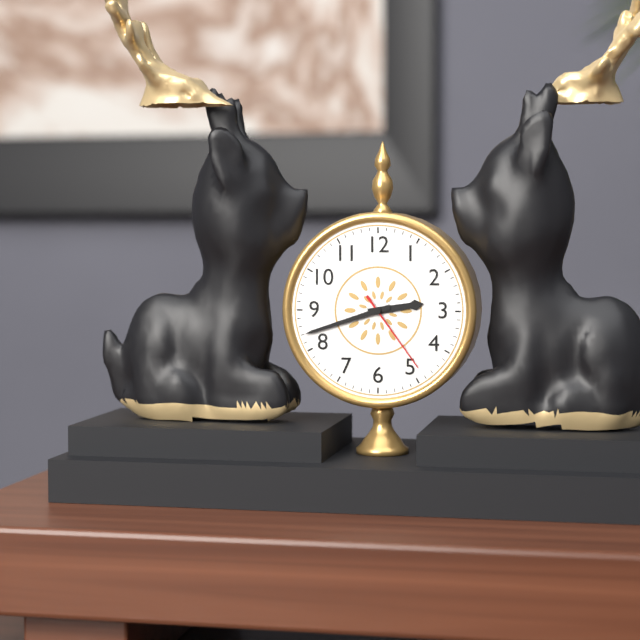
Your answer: **2:42:24**
